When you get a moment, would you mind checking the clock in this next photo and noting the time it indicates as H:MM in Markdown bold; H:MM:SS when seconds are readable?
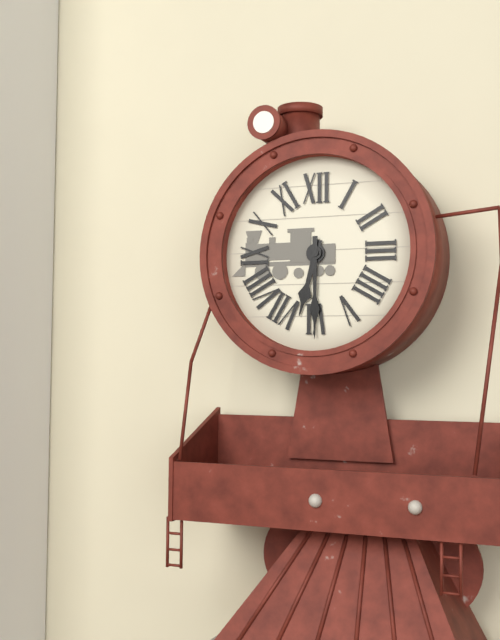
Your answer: **6:30**
